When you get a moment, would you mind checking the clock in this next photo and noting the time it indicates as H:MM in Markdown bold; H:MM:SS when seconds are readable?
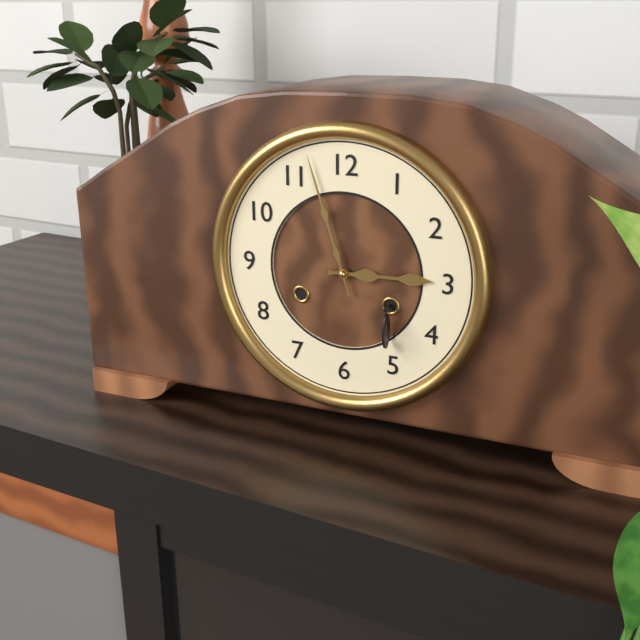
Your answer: **2:57**
